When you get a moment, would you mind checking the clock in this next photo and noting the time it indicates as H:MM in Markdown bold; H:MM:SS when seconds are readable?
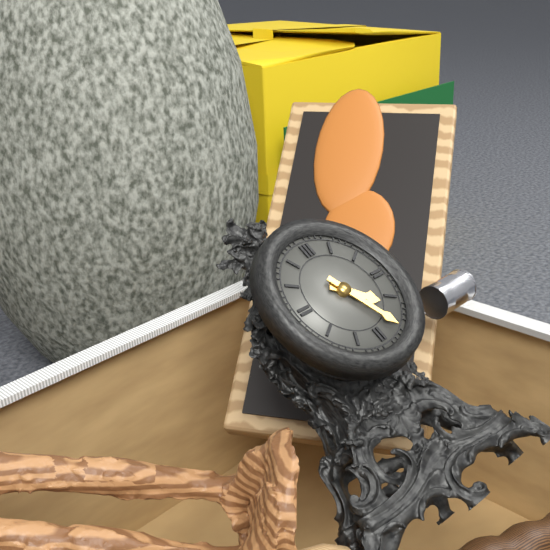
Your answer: **4:26**
